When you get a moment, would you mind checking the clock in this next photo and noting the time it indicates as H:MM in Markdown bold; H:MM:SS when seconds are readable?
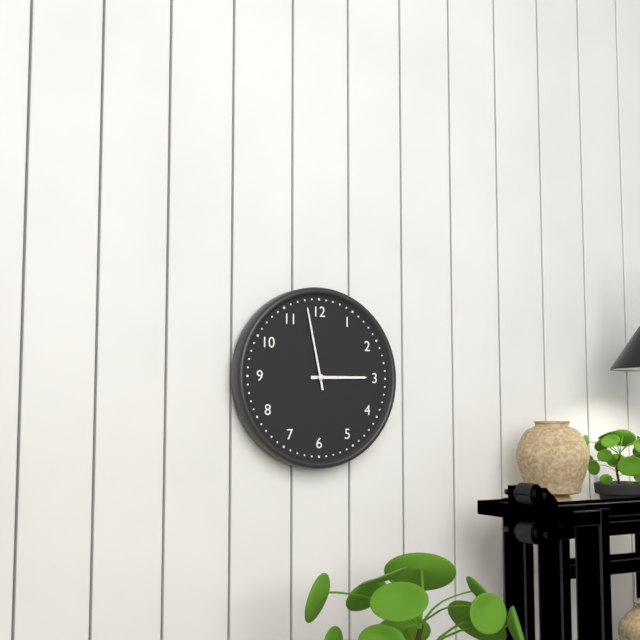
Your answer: **2:58**
